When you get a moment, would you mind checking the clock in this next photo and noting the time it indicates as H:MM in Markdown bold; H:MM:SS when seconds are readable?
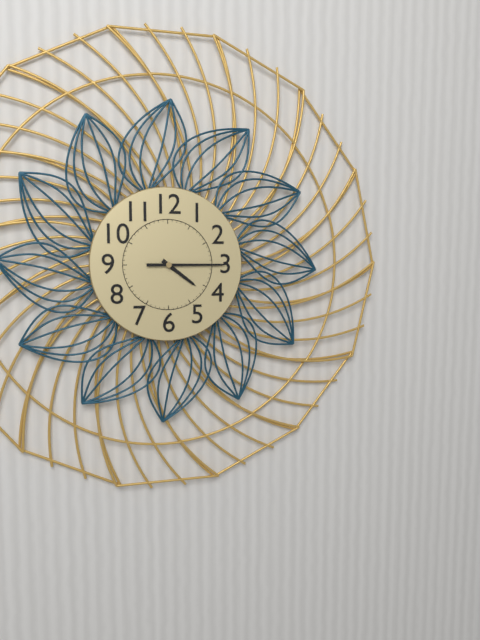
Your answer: **4:15**
